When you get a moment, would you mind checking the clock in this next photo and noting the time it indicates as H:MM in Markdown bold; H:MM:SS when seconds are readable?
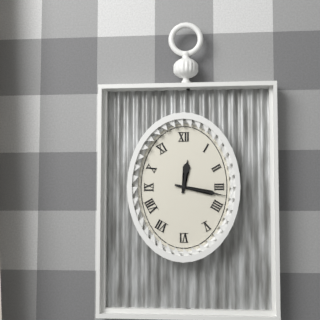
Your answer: **12:17**
